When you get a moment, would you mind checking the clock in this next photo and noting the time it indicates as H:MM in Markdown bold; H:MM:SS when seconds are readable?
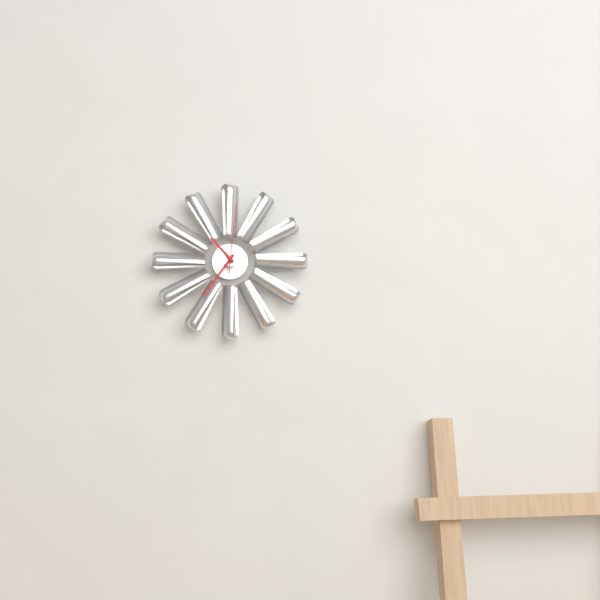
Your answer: **10:36:01**
